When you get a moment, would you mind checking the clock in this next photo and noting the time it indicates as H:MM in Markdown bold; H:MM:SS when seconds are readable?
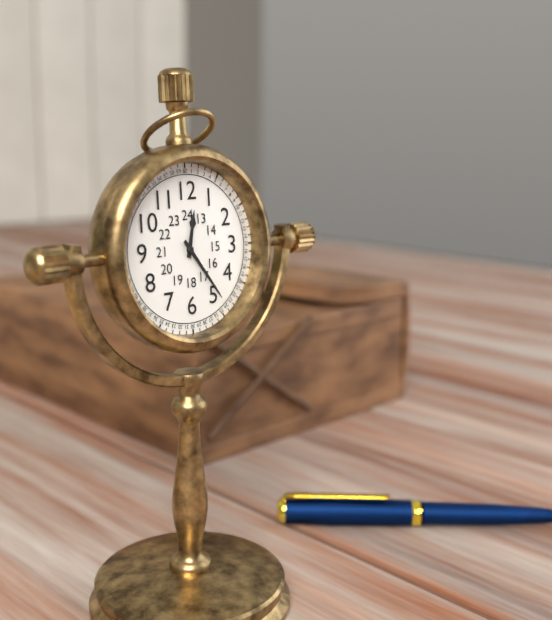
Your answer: **12:24**
